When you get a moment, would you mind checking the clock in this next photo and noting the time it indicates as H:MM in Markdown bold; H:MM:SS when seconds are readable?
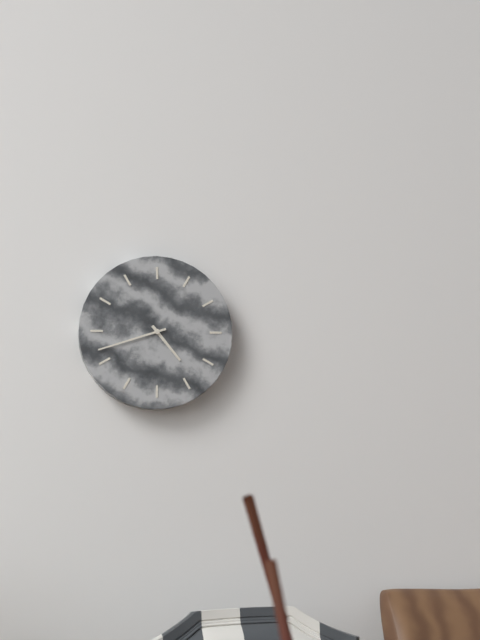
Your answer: **4:42**
